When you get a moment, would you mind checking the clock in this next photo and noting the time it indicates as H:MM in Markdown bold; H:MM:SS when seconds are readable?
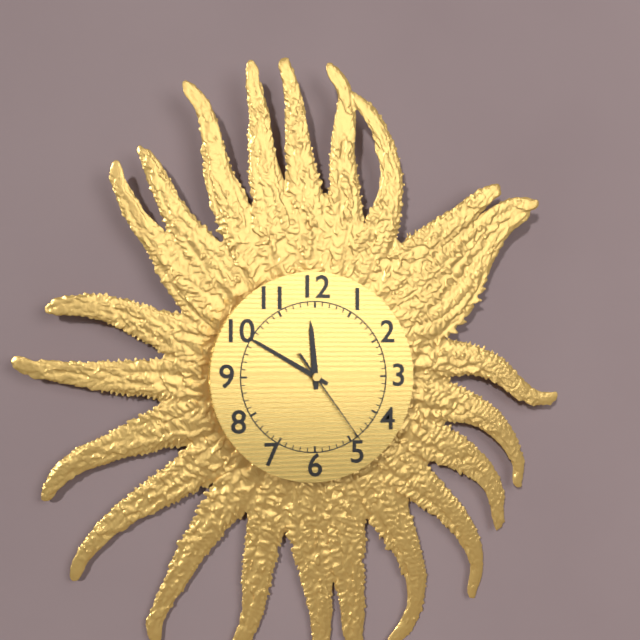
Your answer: **11:50:24**
